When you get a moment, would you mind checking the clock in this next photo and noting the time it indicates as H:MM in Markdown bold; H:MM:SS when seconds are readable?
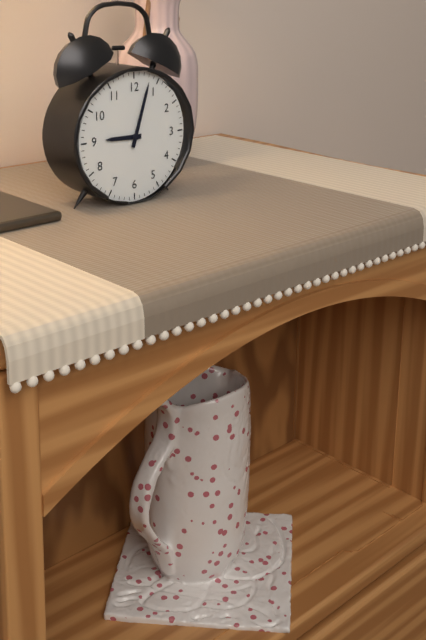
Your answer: **9:03**
